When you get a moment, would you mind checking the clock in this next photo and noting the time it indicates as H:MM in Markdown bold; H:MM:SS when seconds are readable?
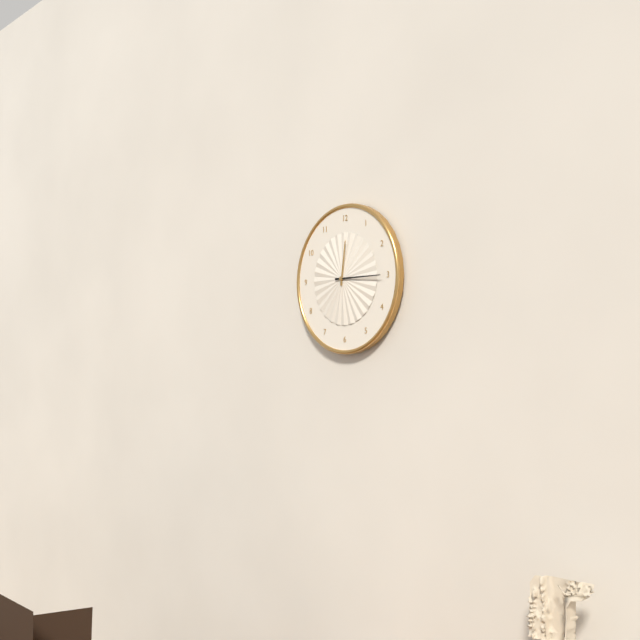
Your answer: **12:15**
